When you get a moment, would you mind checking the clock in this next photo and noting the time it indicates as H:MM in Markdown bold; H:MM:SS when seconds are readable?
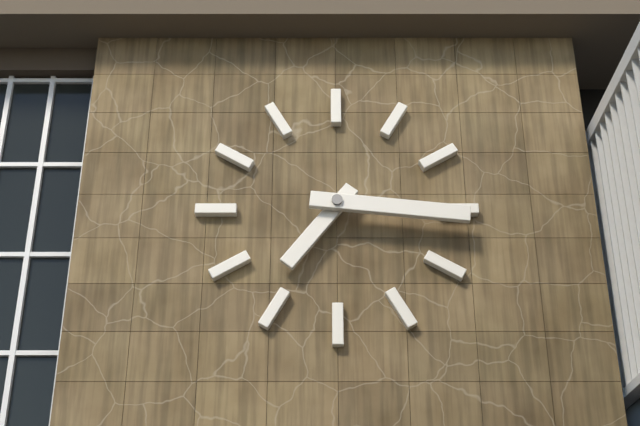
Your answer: **7:16**
